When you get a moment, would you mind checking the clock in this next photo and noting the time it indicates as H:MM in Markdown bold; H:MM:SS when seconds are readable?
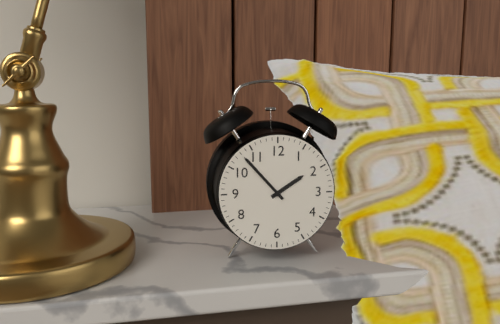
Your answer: **1:53**
